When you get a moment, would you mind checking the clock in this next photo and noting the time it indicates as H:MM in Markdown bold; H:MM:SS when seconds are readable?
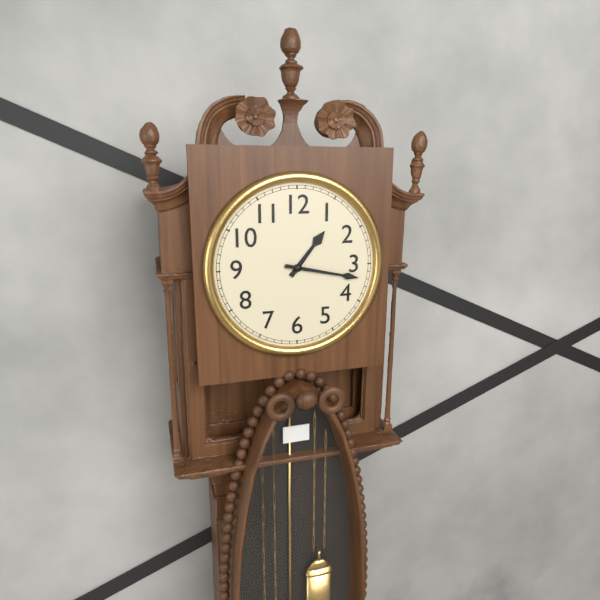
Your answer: **1:17**
